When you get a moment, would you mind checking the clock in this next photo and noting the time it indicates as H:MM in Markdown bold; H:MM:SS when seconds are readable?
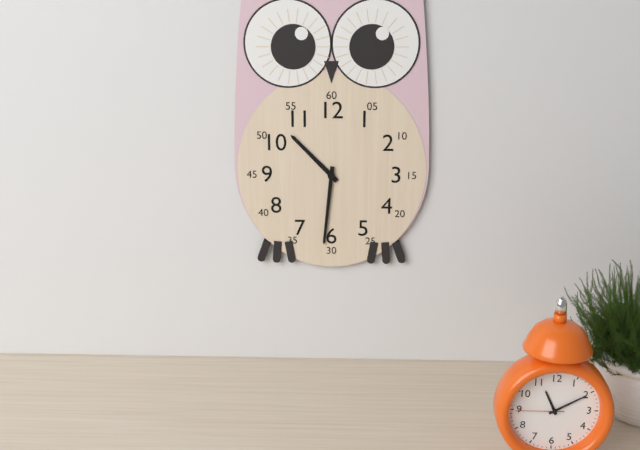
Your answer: **10:31**
